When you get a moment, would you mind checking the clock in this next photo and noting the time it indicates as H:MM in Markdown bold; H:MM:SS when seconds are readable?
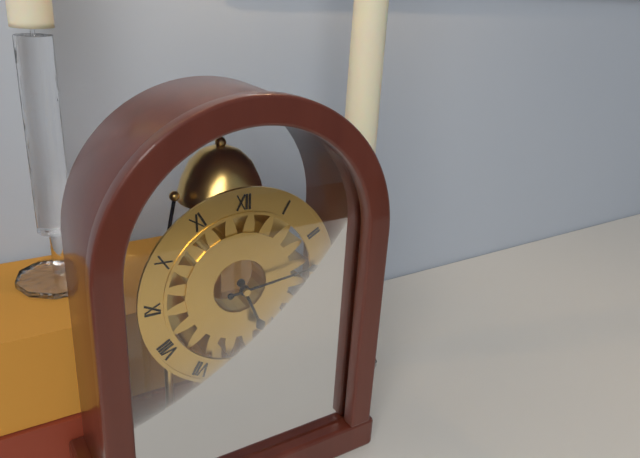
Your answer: **5:14**
